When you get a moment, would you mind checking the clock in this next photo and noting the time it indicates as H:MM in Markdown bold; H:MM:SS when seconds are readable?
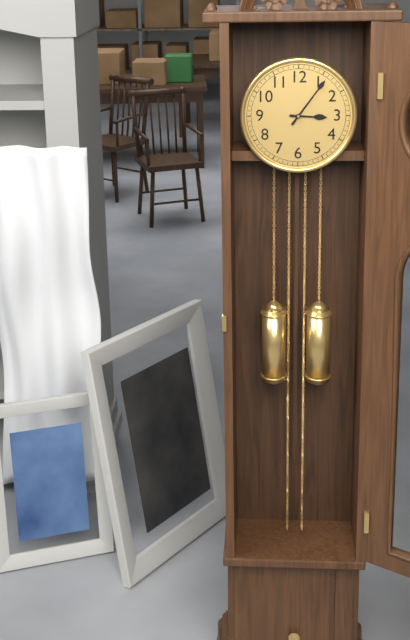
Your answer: **3:06**
